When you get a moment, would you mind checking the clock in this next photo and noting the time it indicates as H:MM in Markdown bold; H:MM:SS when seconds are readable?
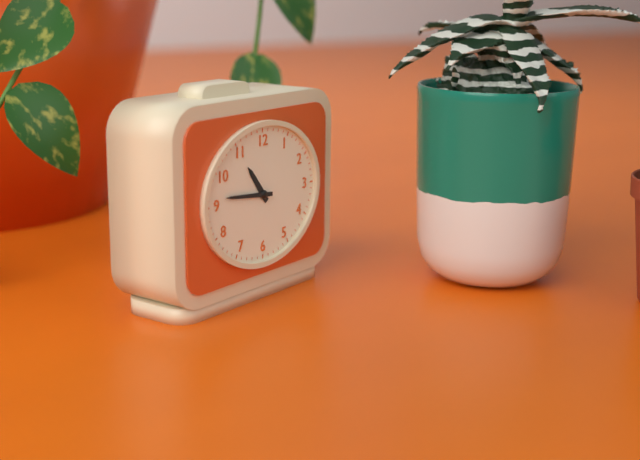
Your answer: **10:46**
